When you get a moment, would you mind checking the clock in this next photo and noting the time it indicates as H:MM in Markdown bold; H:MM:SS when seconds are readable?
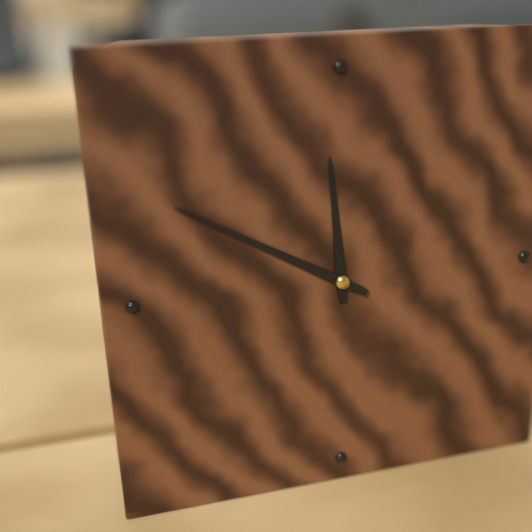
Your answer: **11:50**
